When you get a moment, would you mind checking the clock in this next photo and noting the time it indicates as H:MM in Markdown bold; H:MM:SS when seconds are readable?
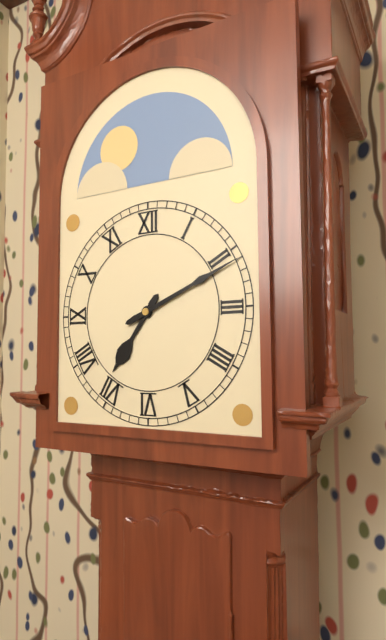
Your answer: **7:11**
